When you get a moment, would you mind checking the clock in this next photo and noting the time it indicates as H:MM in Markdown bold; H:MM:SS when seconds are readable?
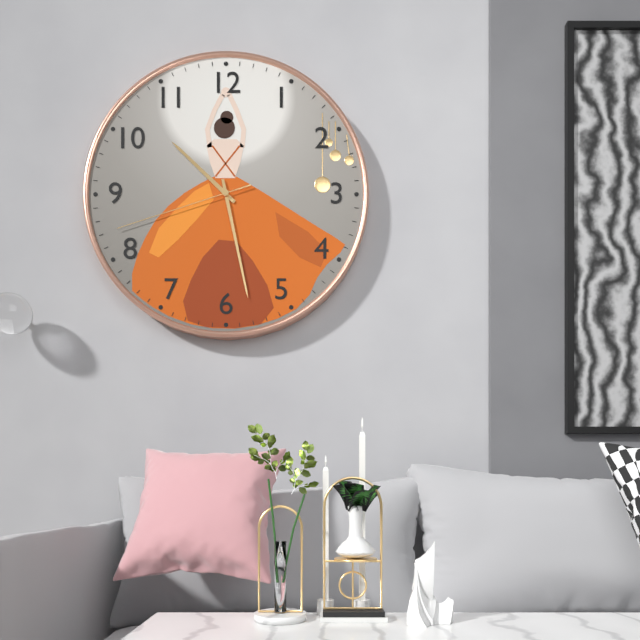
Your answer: **10:28:42**
